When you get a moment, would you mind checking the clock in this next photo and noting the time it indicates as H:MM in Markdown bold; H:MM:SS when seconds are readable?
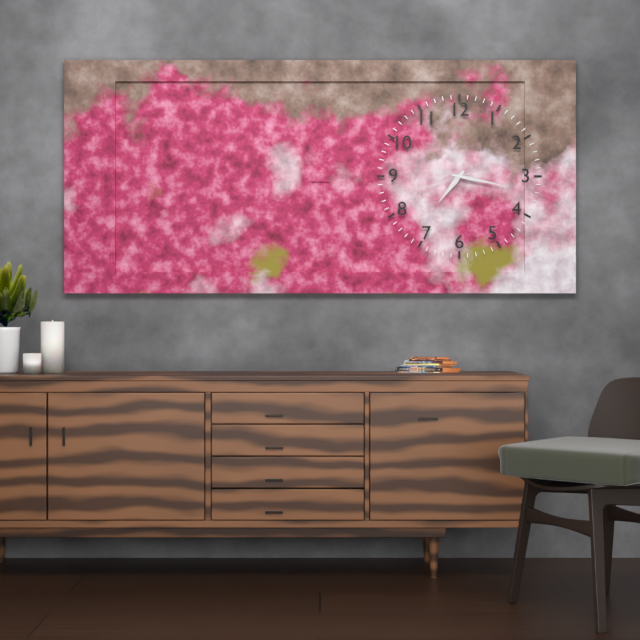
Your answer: **7:17:42**
